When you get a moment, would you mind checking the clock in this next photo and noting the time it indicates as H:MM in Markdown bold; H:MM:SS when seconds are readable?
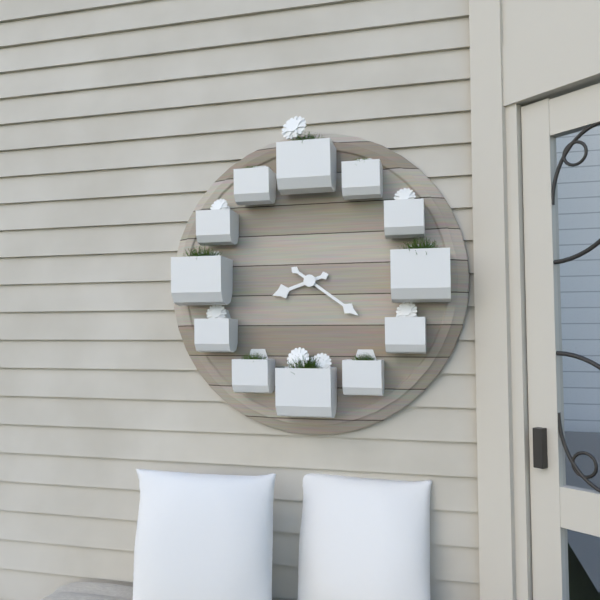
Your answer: **8:21**
